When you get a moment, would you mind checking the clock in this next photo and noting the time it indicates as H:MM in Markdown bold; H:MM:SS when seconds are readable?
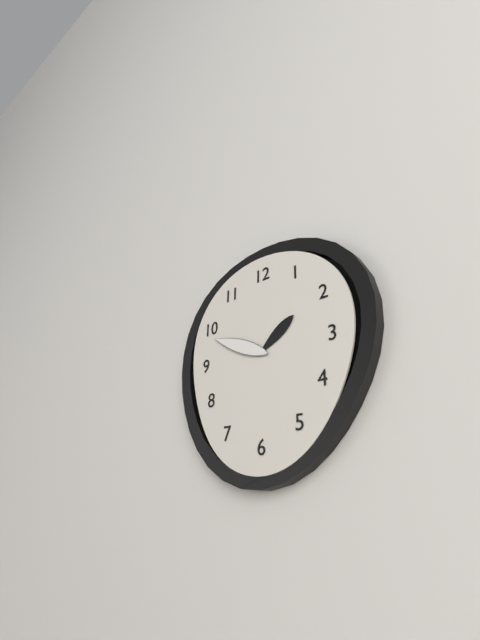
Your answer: **1:49**
